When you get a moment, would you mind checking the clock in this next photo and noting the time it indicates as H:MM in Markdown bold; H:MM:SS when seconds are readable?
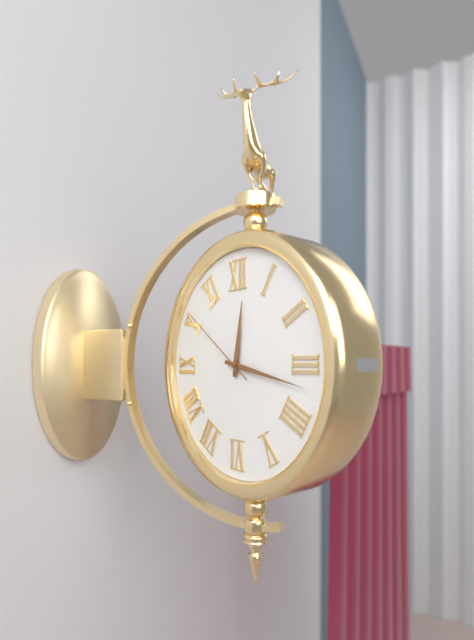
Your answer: **12:17:51**
